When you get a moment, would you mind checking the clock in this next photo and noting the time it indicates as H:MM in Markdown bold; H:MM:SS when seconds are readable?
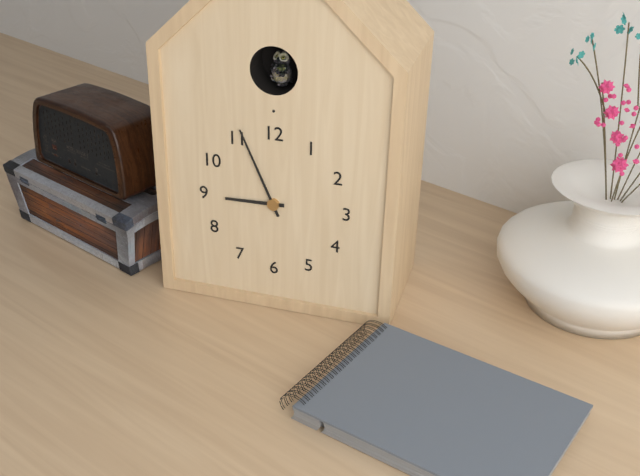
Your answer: **8:56**
